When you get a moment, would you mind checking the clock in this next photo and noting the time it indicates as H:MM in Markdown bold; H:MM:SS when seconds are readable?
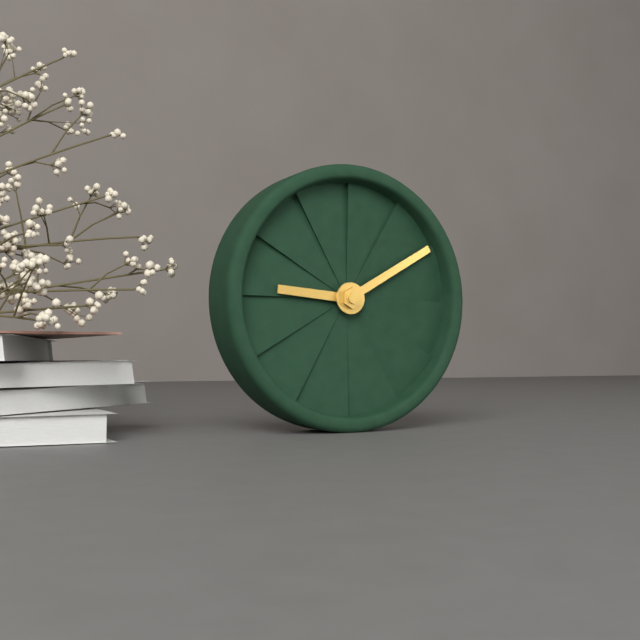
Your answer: **9:10**
